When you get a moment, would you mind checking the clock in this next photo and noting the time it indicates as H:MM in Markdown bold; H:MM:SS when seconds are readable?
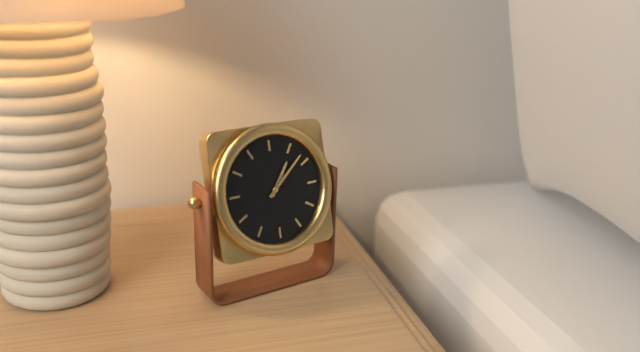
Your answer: **1:08**
